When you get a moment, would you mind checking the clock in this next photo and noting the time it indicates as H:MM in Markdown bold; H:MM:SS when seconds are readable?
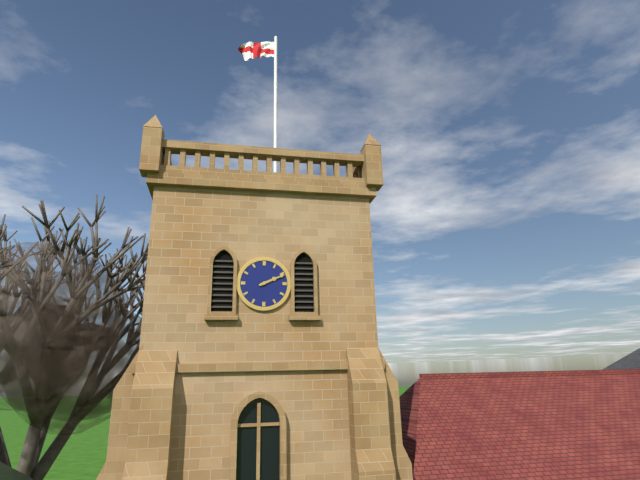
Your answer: **2:11**
